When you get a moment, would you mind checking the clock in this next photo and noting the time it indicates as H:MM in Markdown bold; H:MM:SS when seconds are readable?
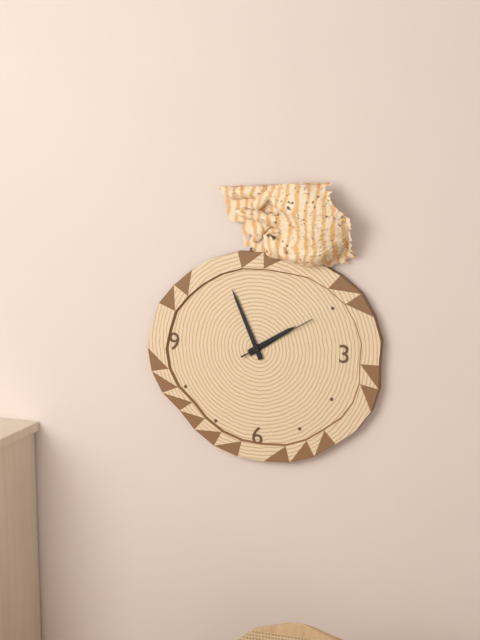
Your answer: **1:56:10**
